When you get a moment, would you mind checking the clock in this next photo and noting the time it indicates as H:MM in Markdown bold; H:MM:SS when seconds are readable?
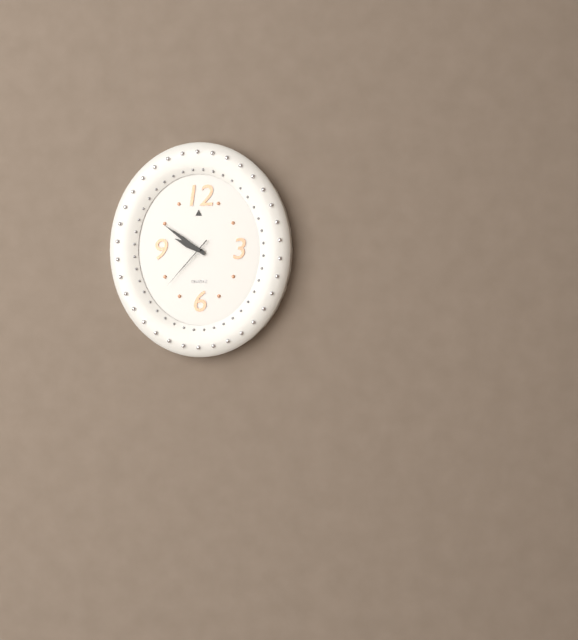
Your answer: **9:51:37**
